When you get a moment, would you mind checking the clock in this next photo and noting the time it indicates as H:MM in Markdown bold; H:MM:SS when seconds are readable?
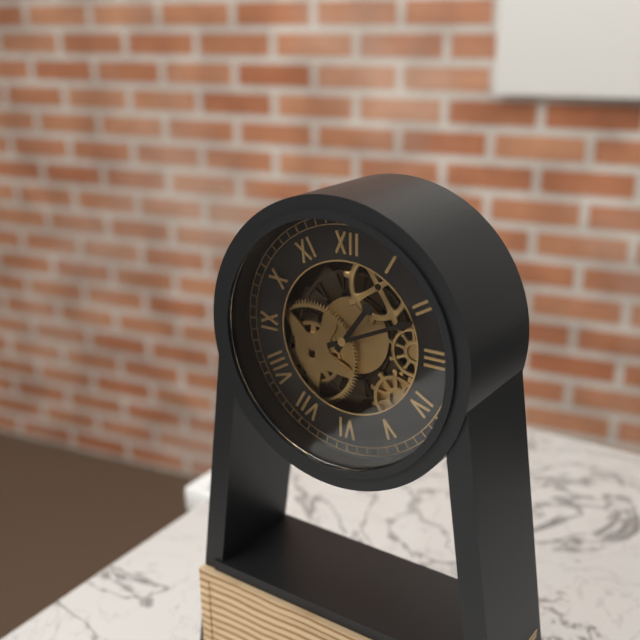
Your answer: **1:11**
